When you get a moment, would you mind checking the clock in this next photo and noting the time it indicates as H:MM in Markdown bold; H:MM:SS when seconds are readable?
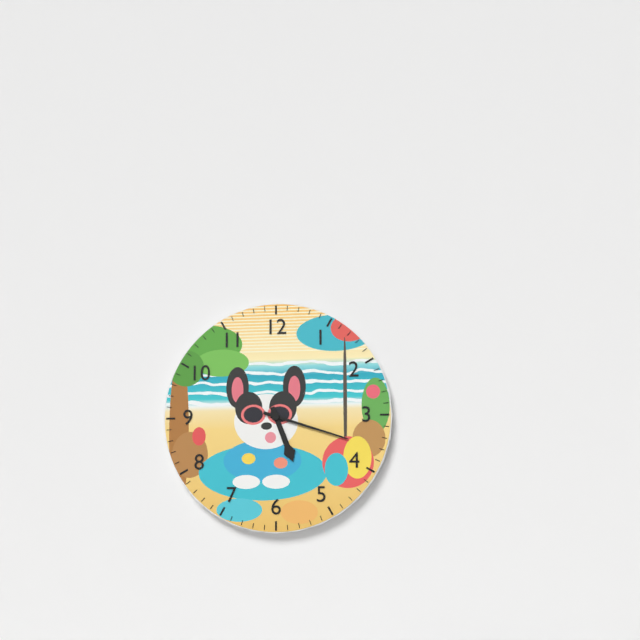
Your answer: **5:18**
